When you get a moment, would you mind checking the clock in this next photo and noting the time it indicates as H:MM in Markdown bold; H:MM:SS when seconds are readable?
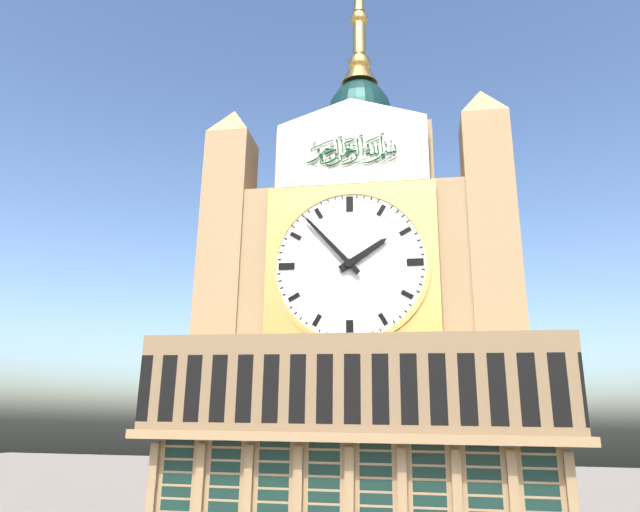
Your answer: **1:53**
